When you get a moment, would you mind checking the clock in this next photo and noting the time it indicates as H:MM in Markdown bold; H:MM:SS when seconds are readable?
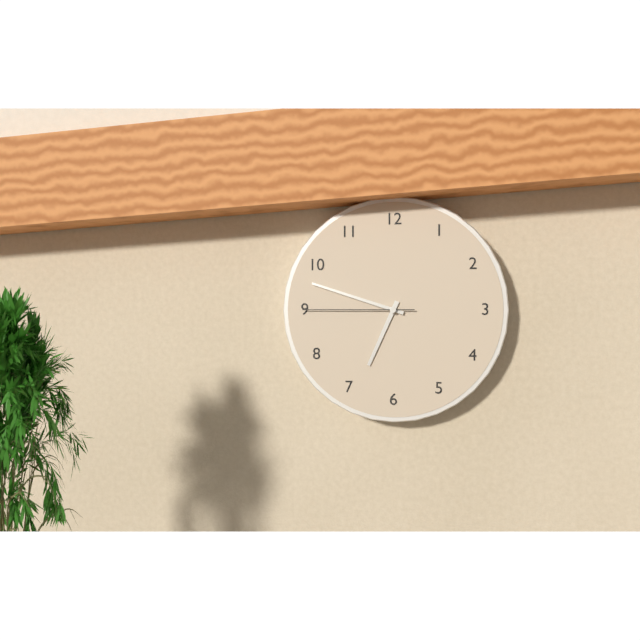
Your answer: **6:48:45**
